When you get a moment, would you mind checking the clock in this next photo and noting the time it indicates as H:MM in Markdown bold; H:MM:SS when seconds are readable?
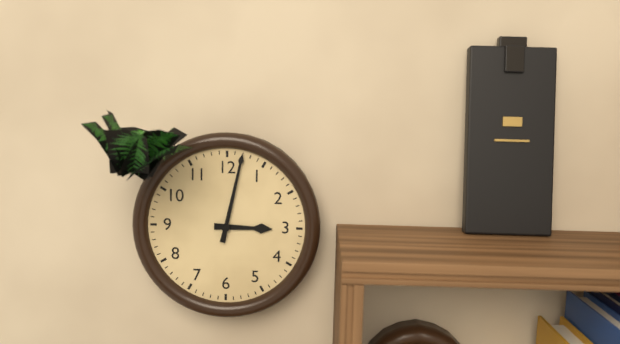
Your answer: **3:02**
